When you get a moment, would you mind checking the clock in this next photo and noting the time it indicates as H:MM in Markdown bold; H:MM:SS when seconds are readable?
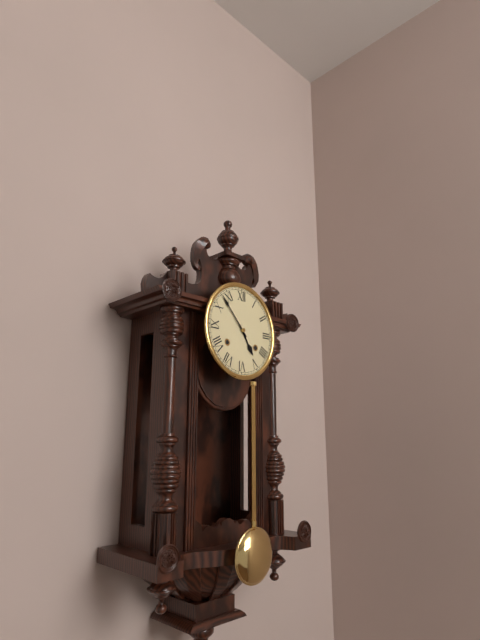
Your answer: **4:53**
